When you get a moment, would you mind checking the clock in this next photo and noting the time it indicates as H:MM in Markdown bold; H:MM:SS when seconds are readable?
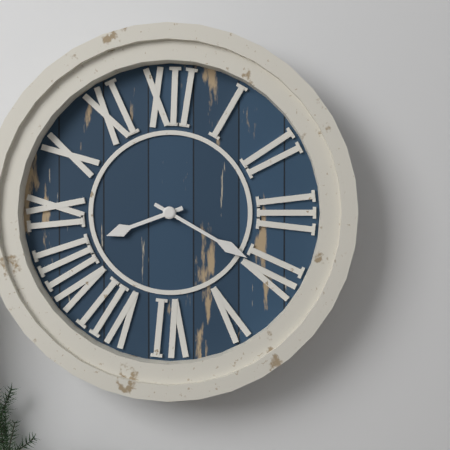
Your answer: **8:20**
